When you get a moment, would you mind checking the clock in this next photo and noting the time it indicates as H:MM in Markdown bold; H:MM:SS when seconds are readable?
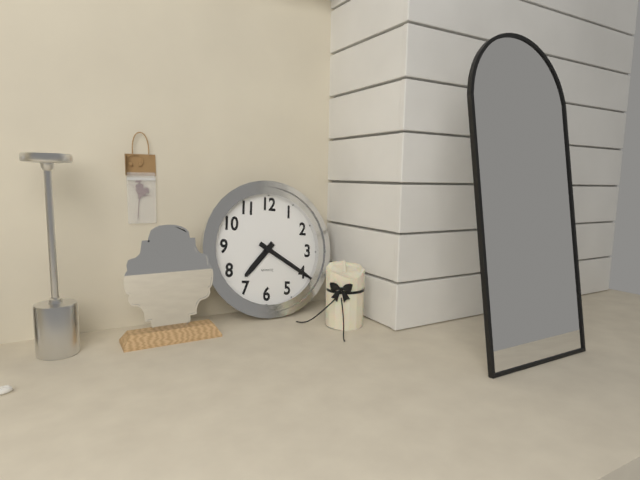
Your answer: **7:20**
